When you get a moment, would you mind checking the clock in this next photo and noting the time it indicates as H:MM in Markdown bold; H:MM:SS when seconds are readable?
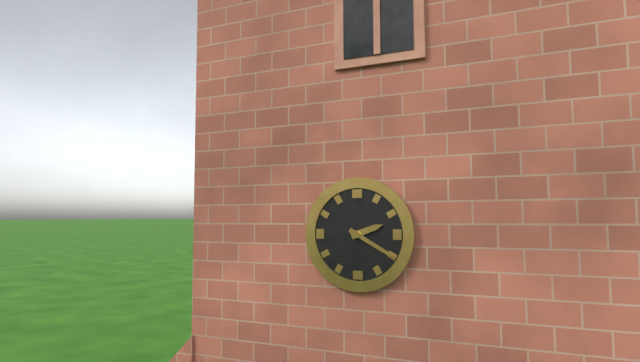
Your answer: **2:20**
